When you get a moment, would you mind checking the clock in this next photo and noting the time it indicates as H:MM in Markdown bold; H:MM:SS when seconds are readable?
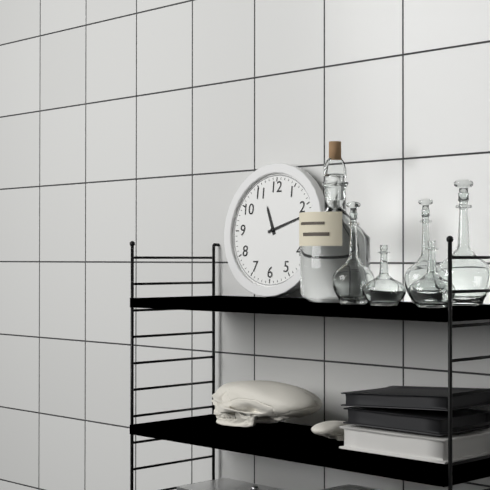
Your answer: **11:12**
